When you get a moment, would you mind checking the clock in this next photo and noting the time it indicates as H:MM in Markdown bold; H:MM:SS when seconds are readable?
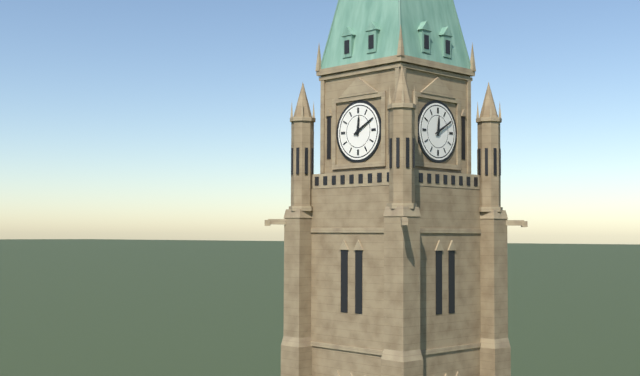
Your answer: **12:10**
